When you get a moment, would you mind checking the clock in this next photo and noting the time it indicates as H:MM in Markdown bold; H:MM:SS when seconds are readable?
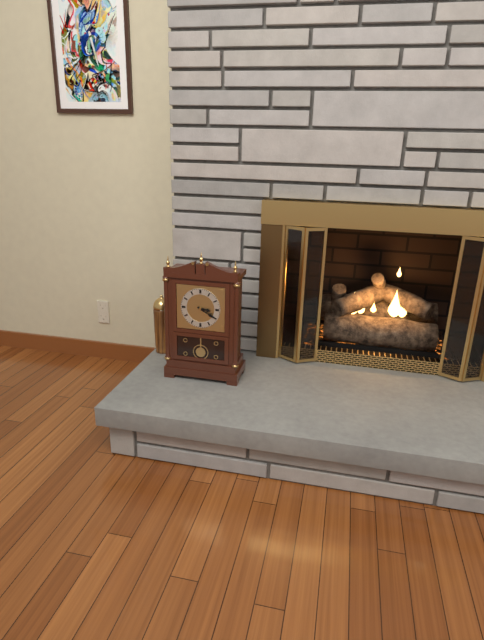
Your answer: **3:20**
